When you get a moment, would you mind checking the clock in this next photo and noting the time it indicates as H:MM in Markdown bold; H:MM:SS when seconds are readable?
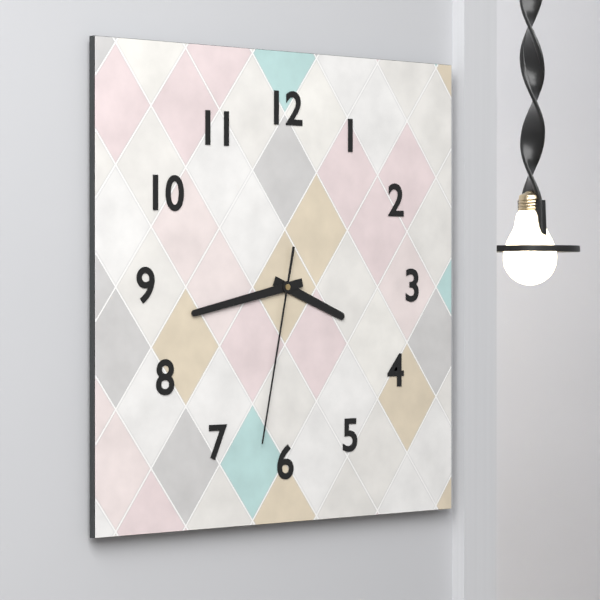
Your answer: **3:43:32**
